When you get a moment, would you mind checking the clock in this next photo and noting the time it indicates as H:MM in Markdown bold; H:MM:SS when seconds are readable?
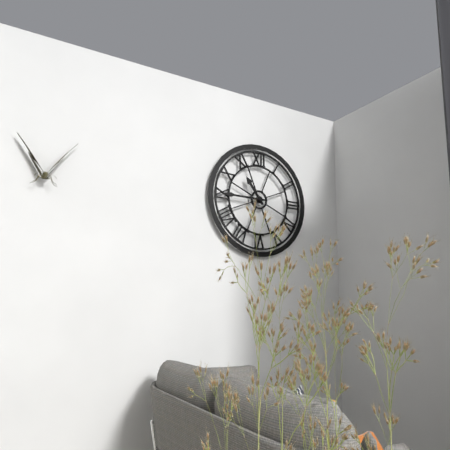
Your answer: **10:45**
